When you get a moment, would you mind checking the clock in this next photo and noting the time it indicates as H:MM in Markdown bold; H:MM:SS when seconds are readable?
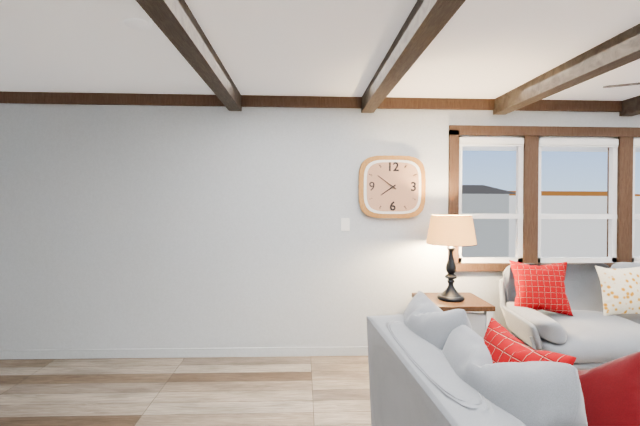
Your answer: **7:51**
